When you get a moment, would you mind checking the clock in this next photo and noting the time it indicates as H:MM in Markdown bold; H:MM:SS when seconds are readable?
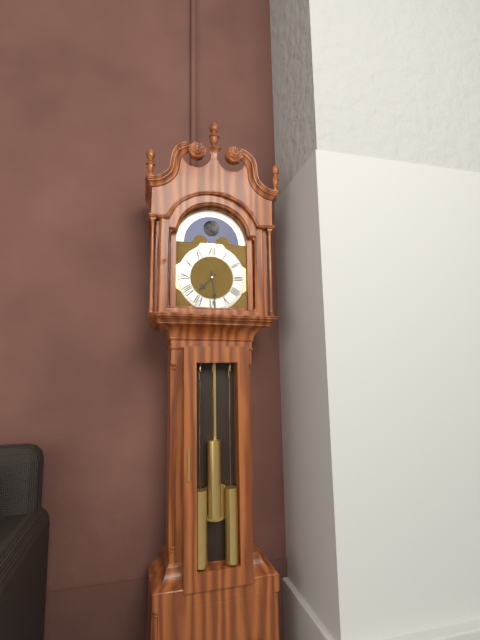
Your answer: **7:29**
